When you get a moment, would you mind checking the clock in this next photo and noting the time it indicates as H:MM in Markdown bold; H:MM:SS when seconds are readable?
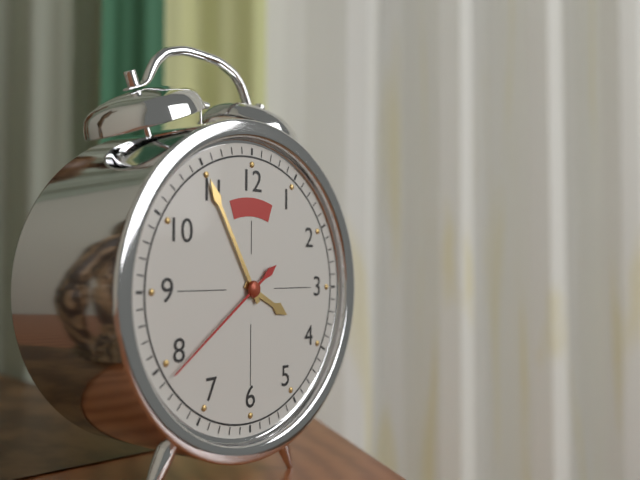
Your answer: **3:55:39**
